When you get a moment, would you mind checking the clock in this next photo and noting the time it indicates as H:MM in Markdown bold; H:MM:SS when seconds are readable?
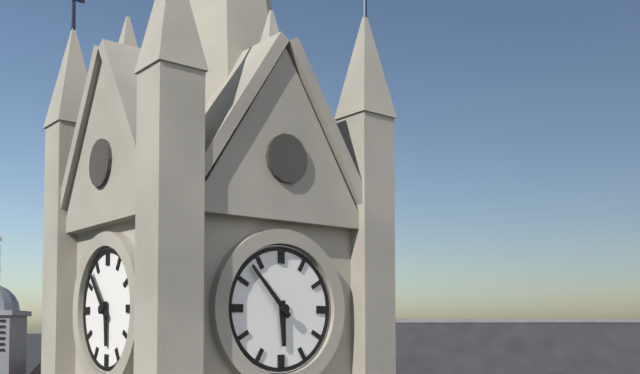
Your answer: **5:53**
